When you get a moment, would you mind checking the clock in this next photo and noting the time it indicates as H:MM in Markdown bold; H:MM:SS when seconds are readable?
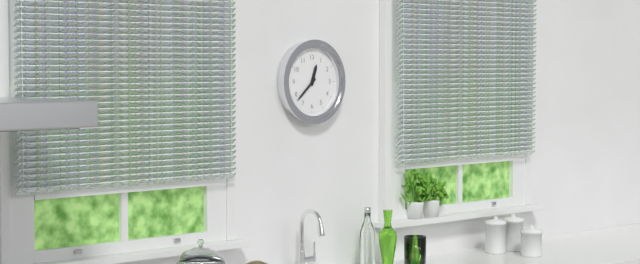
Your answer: **12:38**
